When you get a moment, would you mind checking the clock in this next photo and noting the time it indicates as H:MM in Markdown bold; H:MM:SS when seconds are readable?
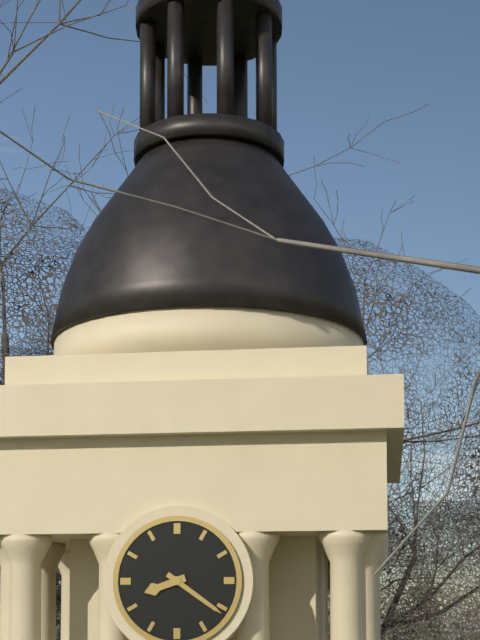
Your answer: **8:21**
